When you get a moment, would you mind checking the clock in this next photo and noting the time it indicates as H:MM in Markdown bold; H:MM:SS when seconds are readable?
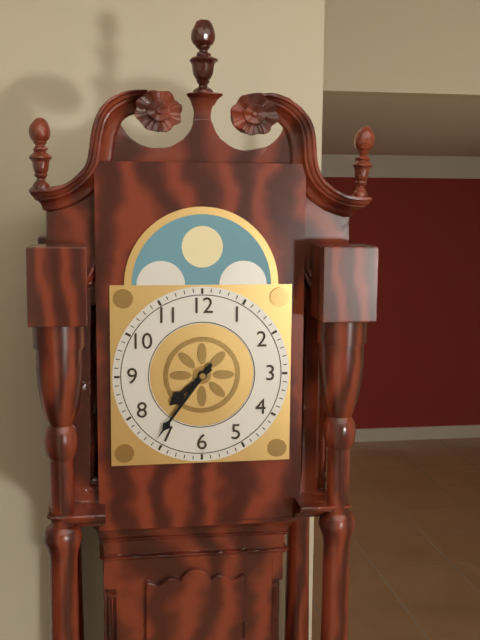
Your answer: **7:36**
